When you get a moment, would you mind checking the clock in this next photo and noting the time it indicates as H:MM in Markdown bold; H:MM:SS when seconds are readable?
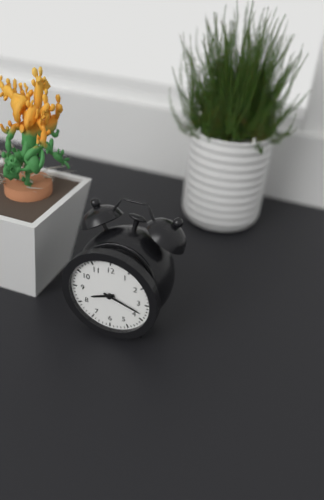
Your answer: **8:18**
